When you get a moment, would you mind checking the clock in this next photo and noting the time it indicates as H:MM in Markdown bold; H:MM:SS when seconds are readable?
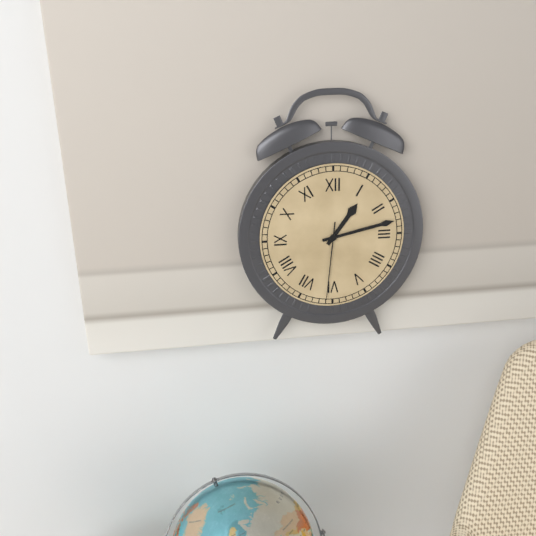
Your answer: **1:13:31**
